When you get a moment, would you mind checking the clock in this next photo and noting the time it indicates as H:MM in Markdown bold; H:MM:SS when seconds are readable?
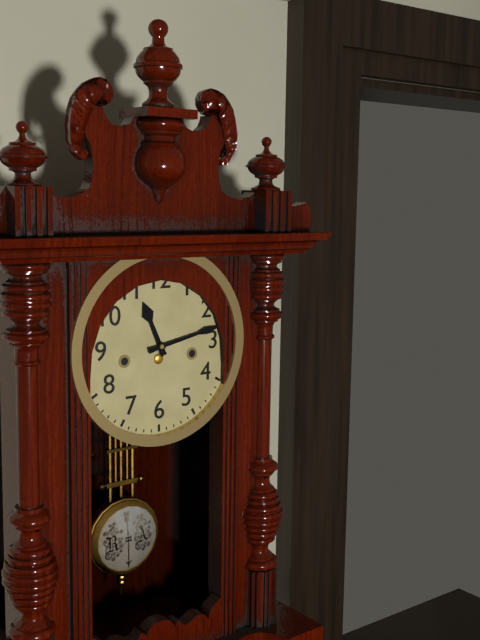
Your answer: **11:13**
